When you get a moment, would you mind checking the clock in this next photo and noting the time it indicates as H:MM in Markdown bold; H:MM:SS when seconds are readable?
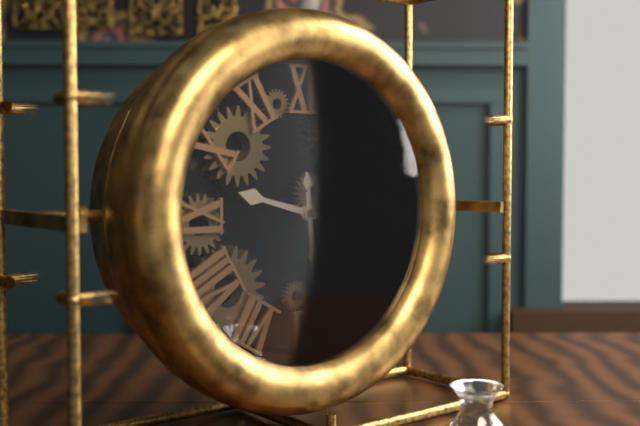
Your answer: **9:29**
